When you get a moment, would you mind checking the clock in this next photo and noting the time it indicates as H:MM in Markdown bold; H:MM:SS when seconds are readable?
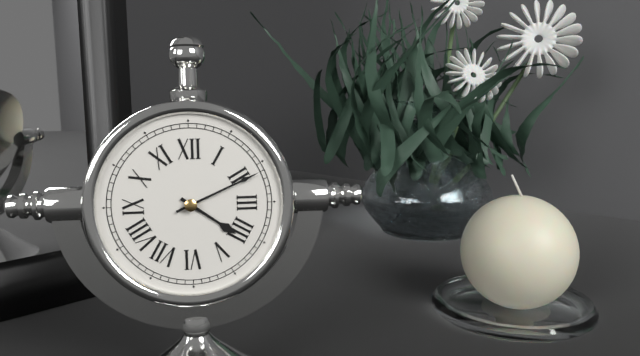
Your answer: **4:11**
